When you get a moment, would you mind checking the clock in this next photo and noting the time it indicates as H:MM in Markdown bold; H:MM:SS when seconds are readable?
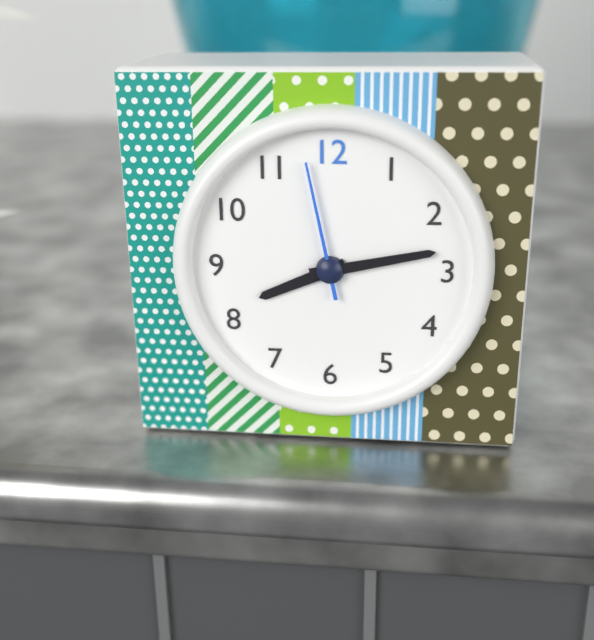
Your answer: **8:13:58**
